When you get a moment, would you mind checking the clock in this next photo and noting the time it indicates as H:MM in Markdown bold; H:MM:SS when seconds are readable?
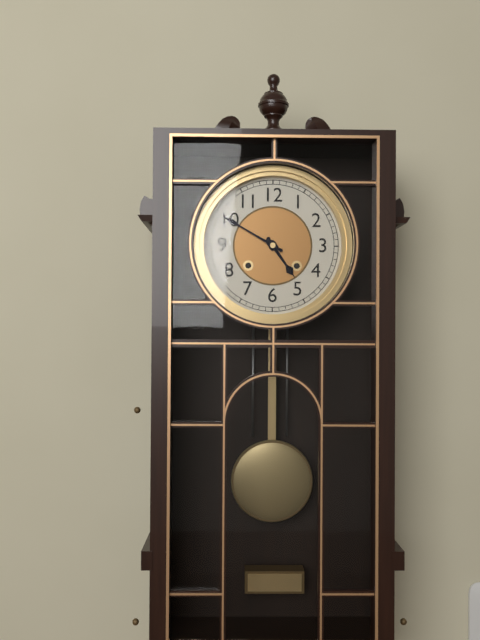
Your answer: **4:50**
